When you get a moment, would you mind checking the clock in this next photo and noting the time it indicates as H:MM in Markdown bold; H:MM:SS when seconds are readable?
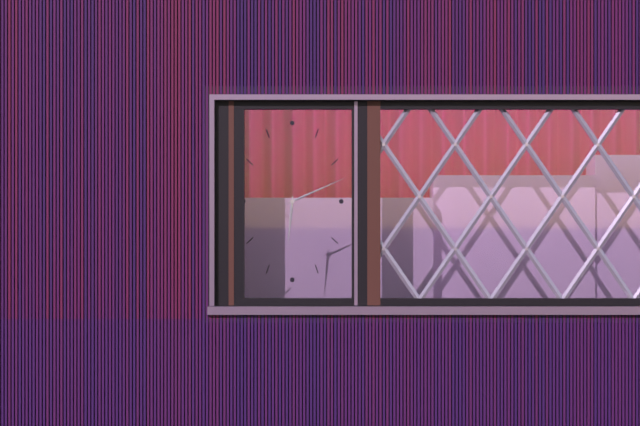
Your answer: **6:11**
